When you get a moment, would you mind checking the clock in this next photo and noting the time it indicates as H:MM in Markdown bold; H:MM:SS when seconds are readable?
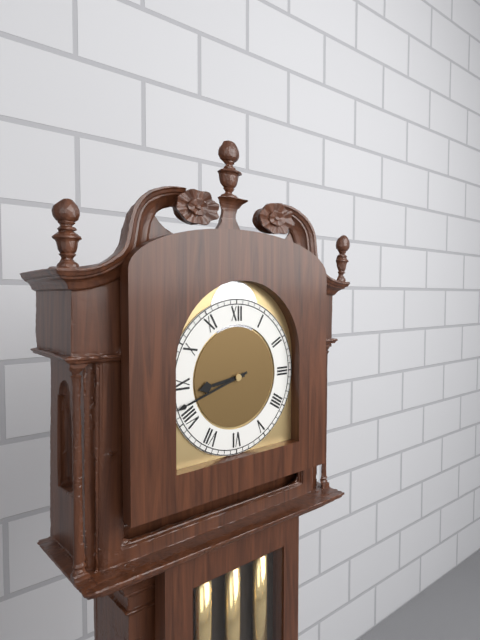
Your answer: **8:42**
